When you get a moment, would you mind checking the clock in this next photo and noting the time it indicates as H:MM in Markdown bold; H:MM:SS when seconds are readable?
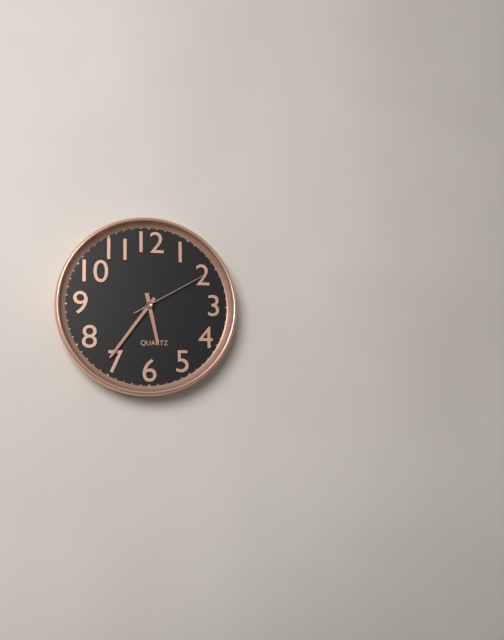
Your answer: **5:36:10**
